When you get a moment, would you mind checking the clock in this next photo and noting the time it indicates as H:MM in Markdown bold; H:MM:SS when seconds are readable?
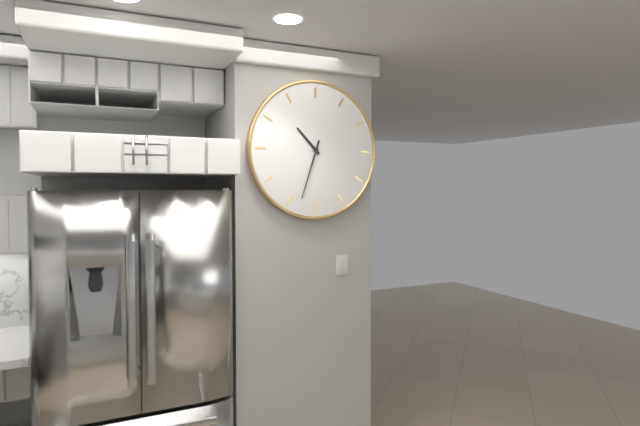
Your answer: **10:33**
